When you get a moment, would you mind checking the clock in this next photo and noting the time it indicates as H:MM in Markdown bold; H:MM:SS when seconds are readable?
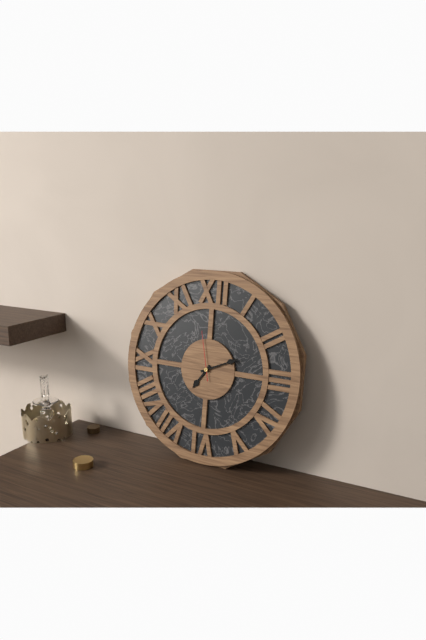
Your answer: **7:11**
